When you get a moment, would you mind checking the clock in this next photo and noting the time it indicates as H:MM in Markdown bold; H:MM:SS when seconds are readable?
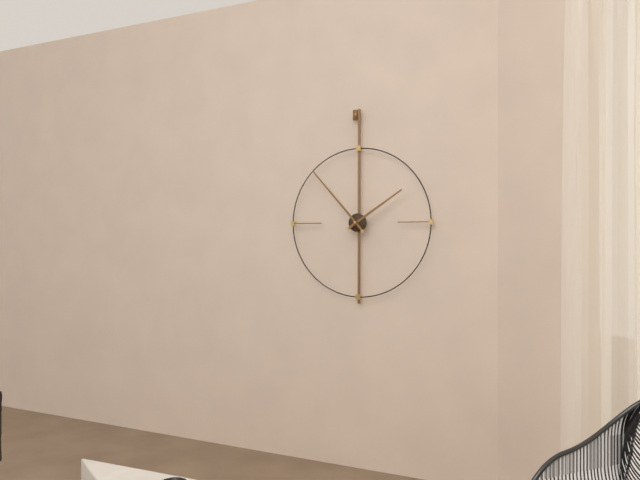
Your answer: **1:53**
